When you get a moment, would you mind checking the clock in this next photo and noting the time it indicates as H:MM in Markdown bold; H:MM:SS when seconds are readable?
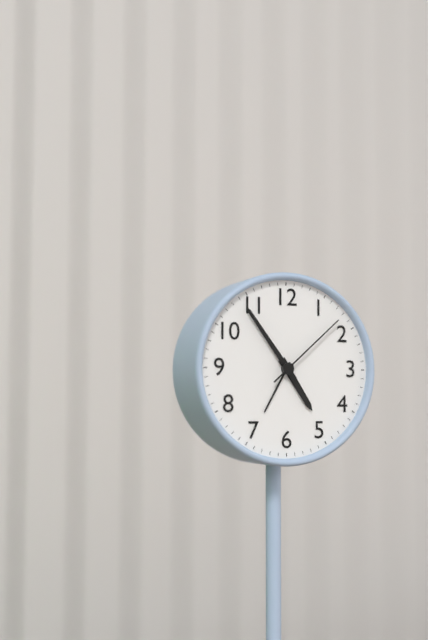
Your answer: **4:54:08**
